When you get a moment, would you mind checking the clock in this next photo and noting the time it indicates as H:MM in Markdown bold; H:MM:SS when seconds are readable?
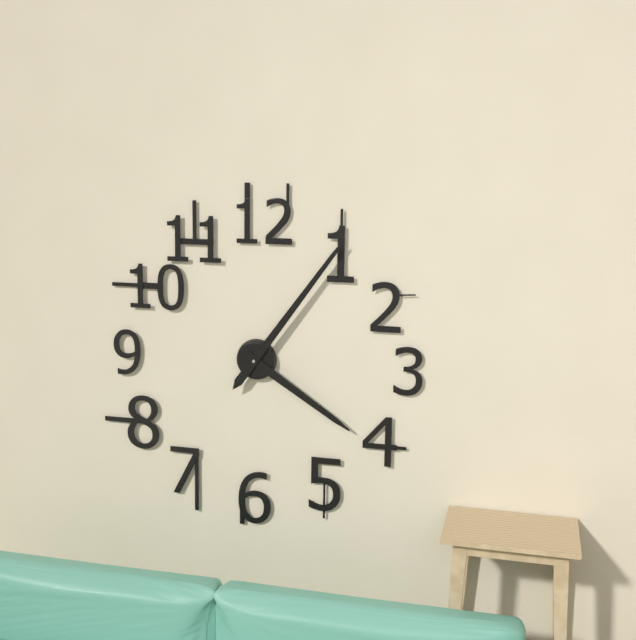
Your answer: **4:06**
